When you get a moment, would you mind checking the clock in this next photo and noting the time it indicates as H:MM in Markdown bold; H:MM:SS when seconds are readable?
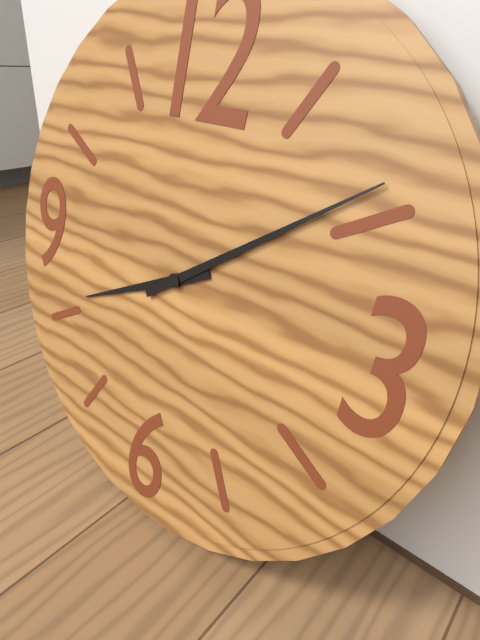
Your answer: **8:09**
